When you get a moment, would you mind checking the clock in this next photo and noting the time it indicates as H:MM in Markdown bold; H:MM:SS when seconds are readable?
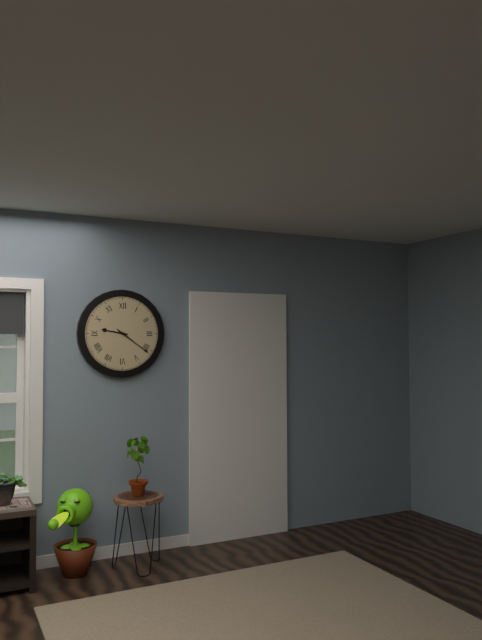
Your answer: **9:21**
